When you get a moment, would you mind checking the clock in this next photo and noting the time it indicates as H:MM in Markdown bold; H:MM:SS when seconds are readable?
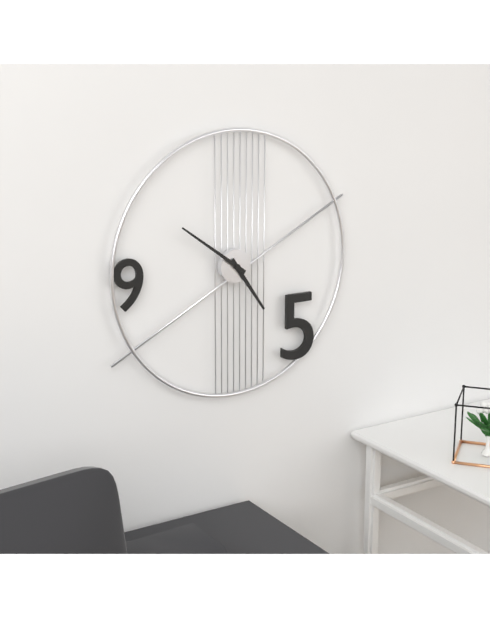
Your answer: **4:51**
